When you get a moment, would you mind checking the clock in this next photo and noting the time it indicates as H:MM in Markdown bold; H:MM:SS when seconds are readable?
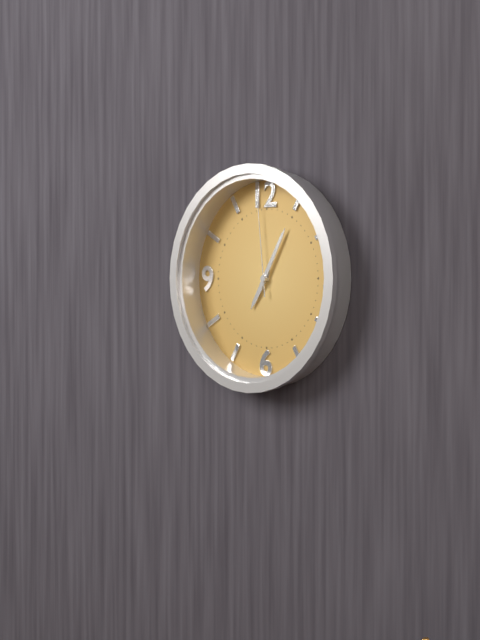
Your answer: **7:05:59**
